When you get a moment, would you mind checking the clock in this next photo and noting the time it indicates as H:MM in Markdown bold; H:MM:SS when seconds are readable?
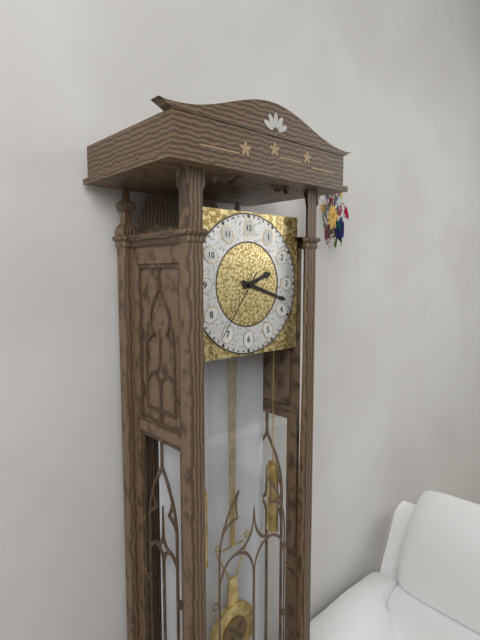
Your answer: **2:18:36**
